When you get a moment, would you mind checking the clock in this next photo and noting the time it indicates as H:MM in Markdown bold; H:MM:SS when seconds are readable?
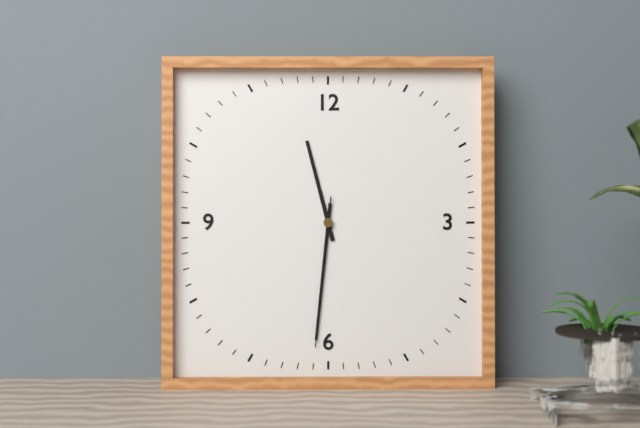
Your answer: **11:31:31**
